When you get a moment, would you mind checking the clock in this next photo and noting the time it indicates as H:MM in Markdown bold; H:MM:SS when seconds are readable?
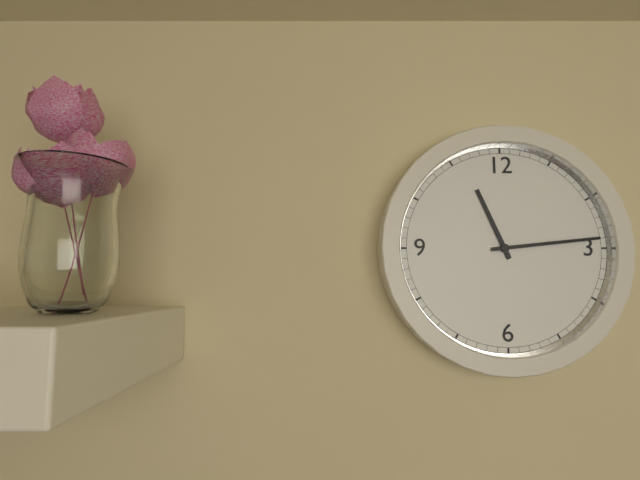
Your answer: **11:14**
